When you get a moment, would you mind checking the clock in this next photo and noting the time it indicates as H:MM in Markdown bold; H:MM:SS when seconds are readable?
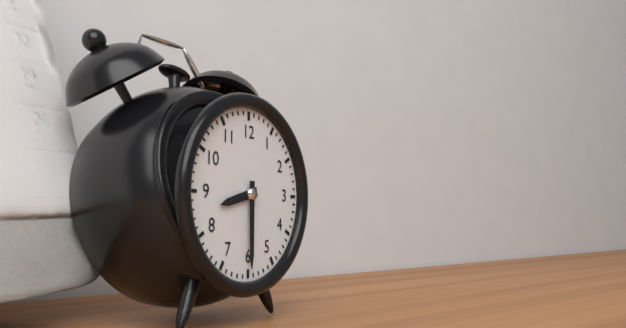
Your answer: **8:30**
